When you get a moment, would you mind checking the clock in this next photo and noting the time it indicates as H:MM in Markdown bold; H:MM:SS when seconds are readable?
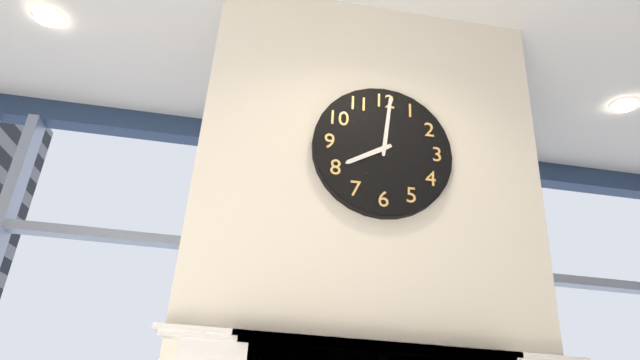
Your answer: **8:01**
